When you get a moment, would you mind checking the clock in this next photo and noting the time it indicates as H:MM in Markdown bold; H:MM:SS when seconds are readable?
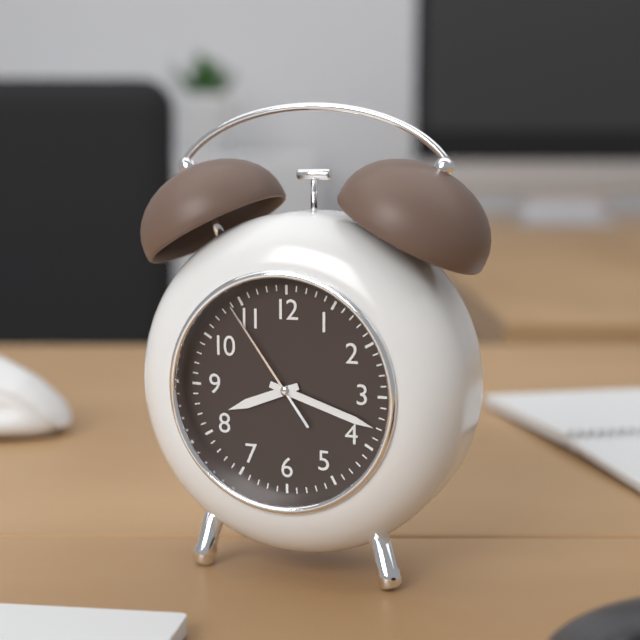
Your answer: **8:18:54**
